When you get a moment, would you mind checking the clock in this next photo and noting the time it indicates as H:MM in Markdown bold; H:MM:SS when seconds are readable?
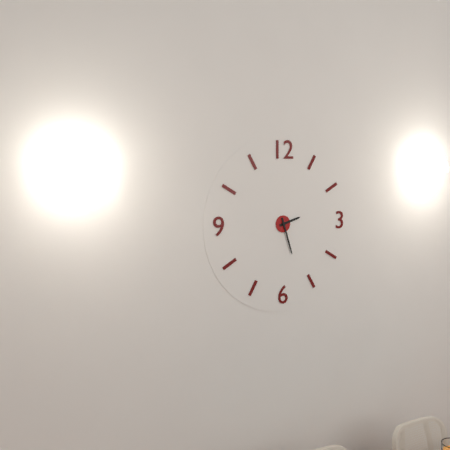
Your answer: **2:27**
